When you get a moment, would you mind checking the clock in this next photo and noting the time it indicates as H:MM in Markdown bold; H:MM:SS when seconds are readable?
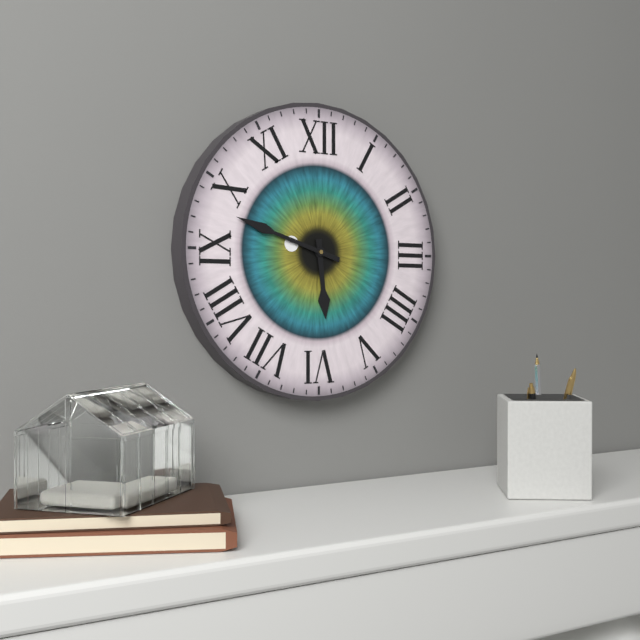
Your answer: **5:48**
